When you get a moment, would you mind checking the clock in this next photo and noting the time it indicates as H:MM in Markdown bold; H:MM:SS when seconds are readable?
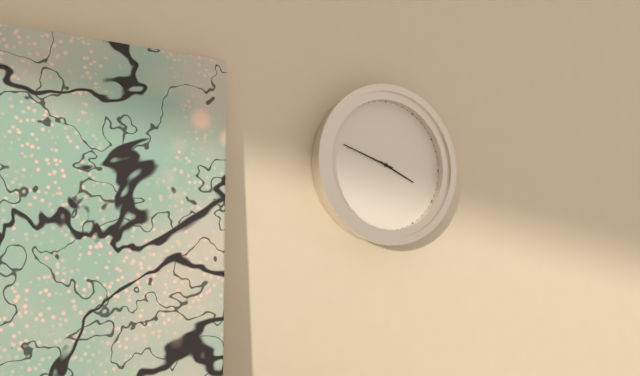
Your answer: **3:48**
